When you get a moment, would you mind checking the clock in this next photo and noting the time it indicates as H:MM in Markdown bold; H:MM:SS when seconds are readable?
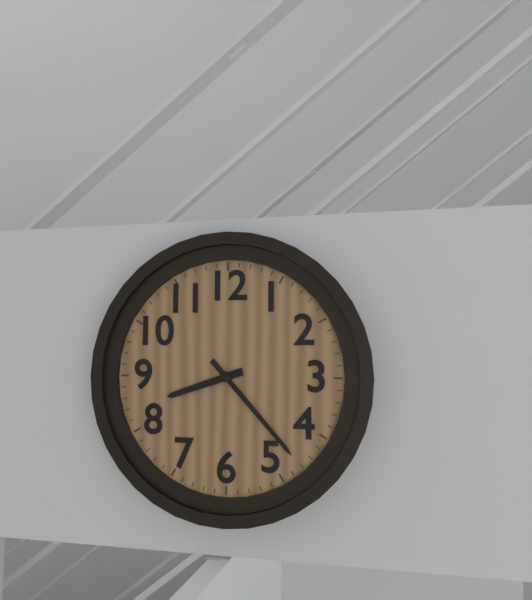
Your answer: **8:23**
